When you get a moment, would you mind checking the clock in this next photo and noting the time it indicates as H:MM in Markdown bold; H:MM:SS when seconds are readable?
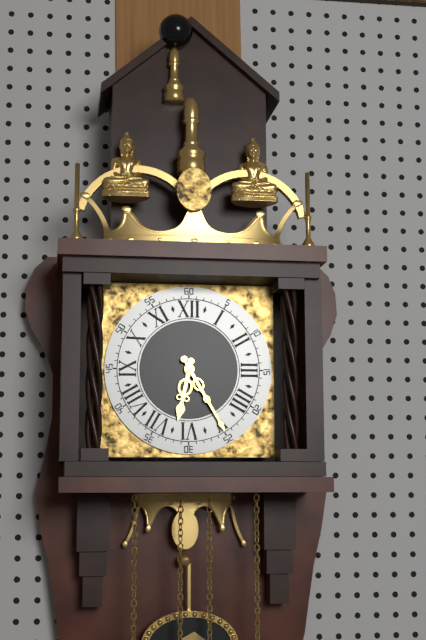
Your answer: **6:25**
